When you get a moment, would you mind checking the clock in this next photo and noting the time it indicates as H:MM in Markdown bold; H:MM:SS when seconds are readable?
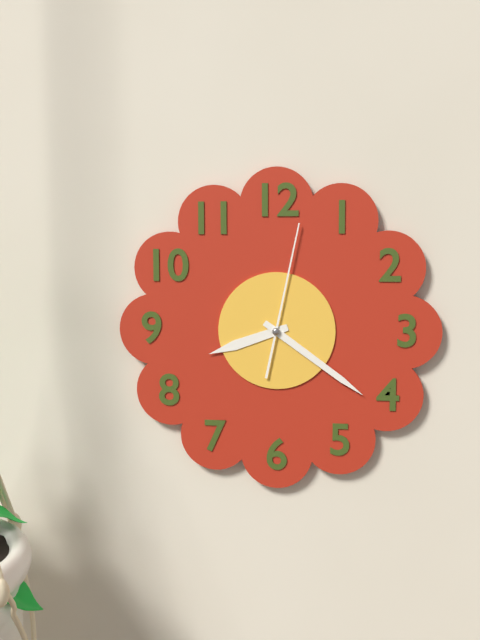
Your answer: **8:21:02**
